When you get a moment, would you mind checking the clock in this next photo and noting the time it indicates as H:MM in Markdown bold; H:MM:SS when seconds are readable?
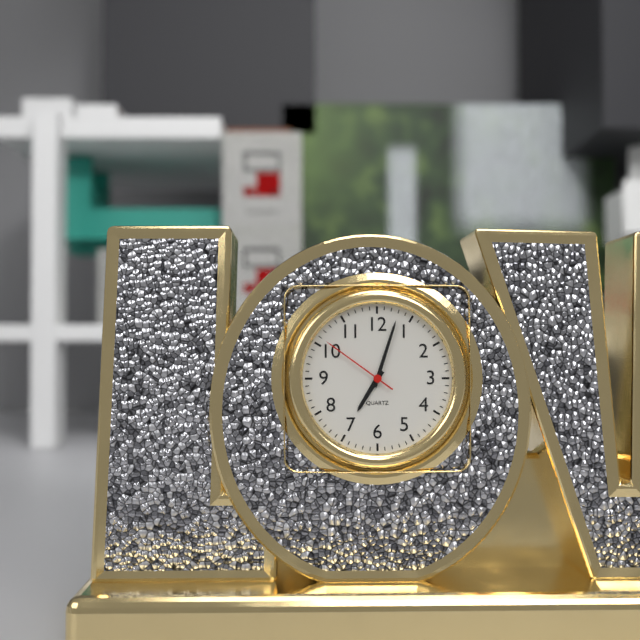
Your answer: **7:03:51**
